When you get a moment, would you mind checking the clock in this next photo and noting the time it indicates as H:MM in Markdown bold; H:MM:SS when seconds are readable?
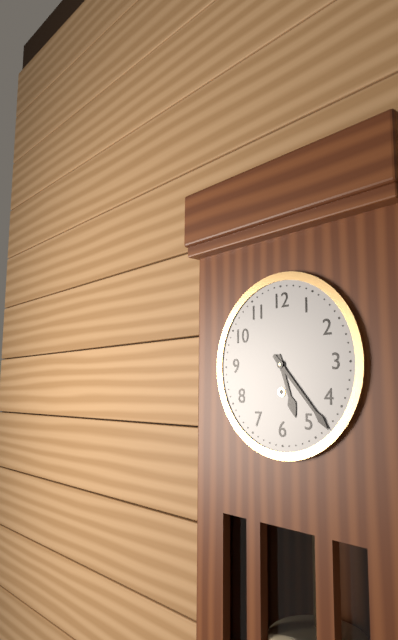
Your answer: **5:23**
